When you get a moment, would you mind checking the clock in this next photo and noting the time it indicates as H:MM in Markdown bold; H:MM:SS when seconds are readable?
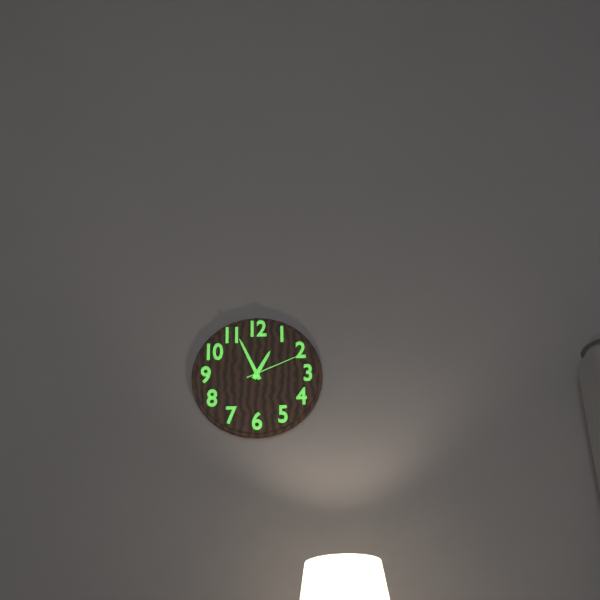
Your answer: **12:56:11**
